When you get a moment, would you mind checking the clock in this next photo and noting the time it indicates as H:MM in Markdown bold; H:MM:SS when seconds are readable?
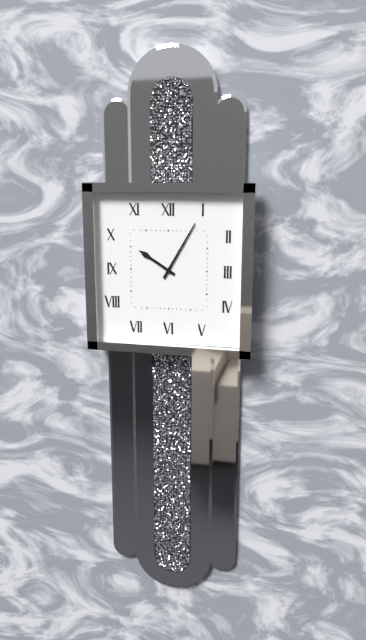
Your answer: **10:05**
